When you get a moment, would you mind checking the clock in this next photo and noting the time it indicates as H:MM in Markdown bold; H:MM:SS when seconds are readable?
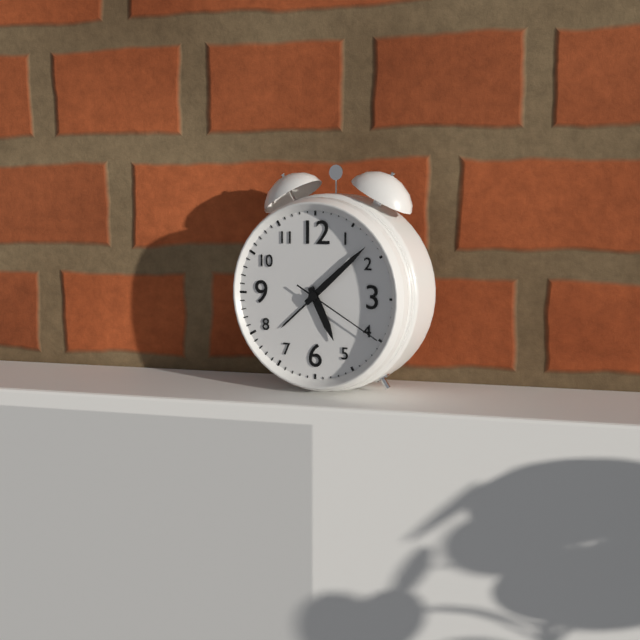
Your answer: **5:08:20**
